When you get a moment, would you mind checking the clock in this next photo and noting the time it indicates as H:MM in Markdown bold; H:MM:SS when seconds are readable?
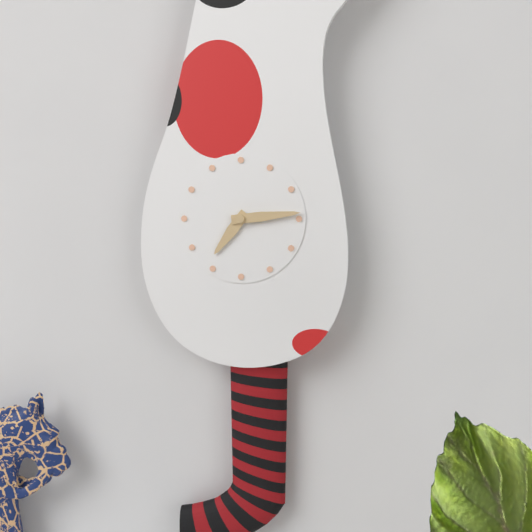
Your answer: **7:14**
